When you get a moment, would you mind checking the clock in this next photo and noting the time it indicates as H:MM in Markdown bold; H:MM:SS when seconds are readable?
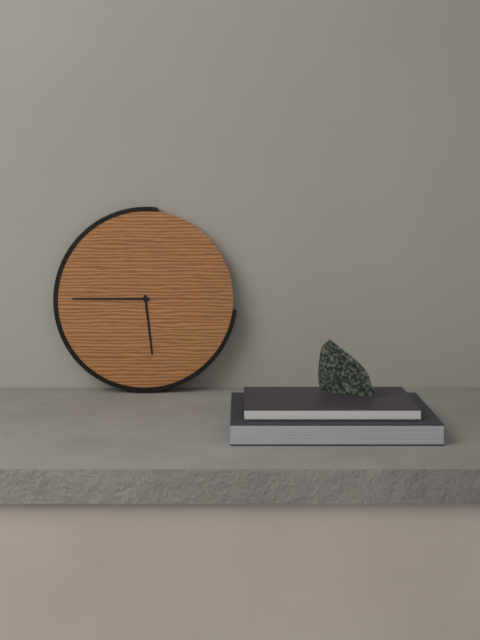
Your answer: **5:45**
